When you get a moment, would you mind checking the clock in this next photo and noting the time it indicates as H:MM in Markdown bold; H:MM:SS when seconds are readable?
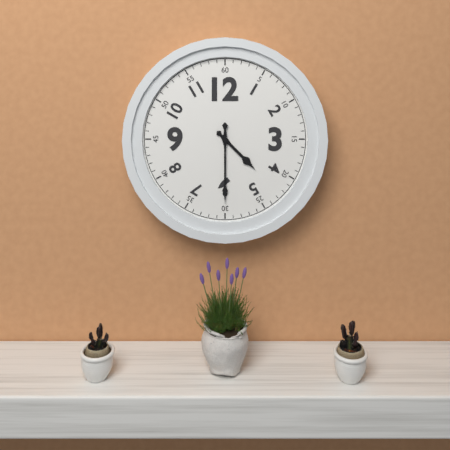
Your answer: **4:30**
